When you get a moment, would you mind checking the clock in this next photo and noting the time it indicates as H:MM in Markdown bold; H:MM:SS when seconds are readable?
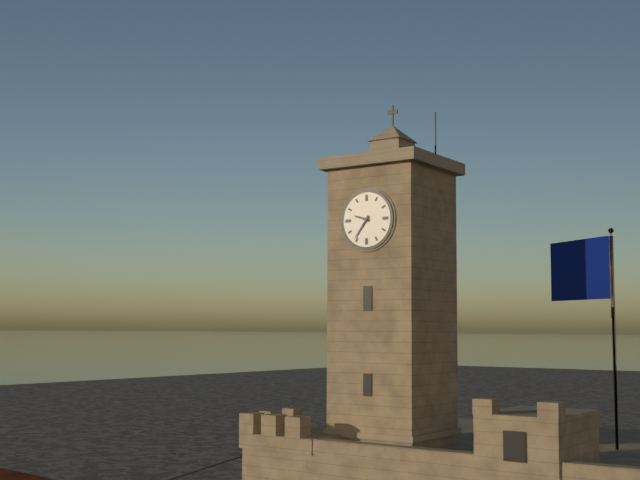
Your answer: **9:36**
